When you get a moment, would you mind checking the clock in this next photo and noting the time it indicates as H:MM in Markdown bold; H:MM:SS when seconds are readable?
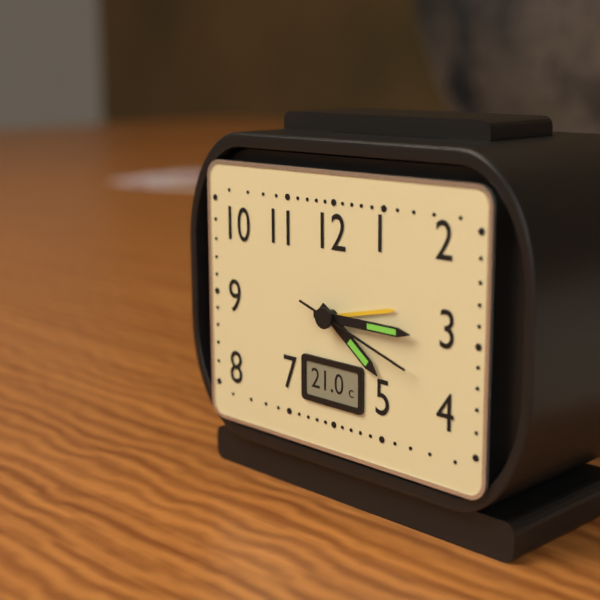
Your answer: **4:15:18**
